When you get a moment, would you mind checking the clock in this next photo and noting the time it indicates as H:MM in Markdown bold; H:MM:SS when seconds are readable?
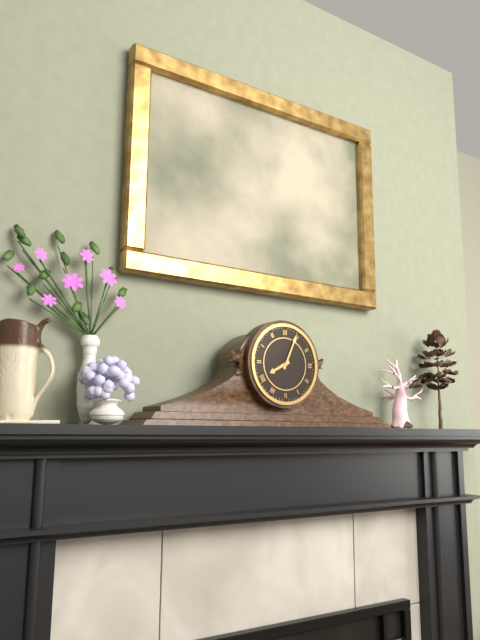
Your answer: **8:04**
